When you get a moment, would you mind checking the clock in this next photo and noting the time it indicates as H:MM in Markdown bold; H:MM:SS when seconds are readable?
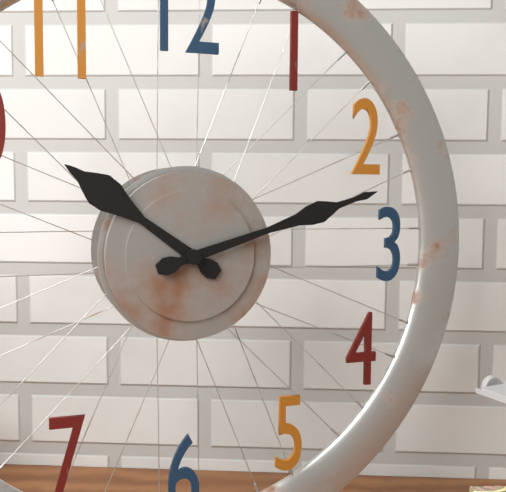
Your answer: **10:12**
